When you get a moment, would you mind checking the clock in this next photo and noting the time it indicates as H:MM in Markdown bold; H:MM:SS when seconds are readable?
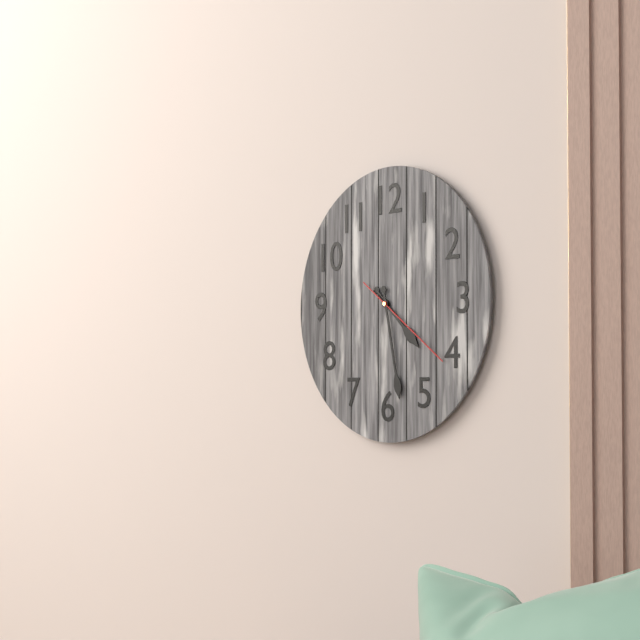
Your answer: **4:28:21**
